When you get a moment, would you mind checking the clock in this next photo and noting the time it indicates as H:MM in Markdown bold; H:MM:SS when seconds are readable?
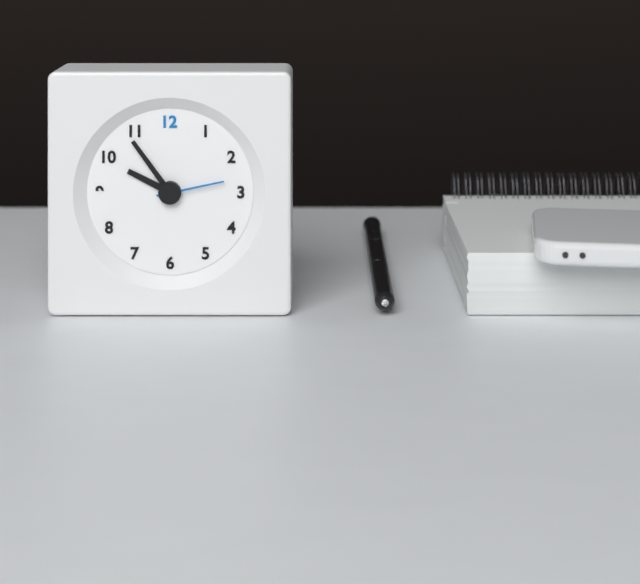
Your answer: **9:54:13**
